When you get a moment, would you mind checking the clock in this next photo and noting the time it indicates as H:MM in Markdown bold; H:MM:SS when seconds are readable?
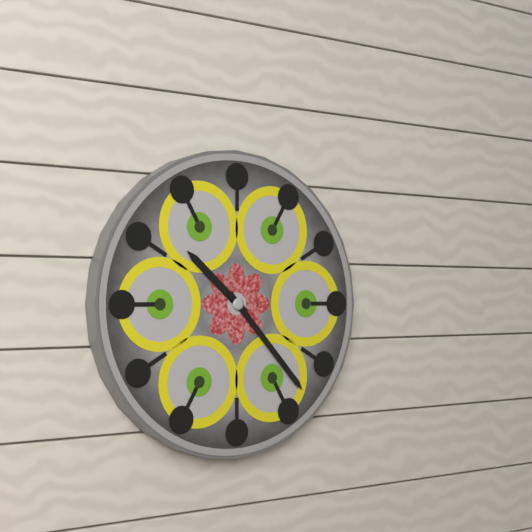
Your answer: **10:23**
